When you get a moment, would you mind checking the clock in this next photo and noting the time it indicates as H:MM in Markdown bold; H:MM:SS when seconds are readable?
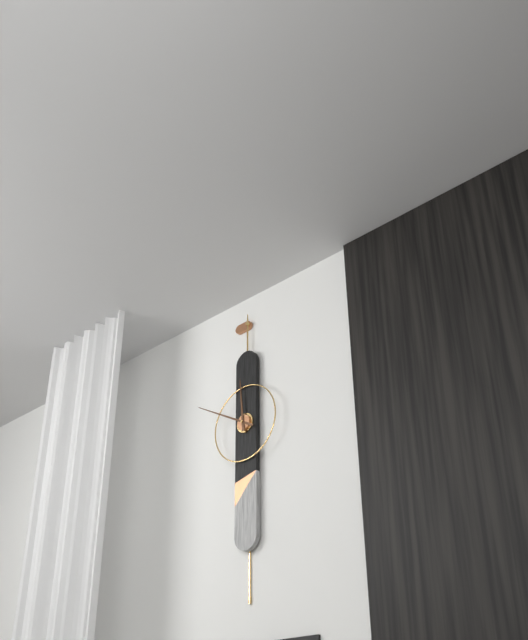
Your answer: **11:50**
